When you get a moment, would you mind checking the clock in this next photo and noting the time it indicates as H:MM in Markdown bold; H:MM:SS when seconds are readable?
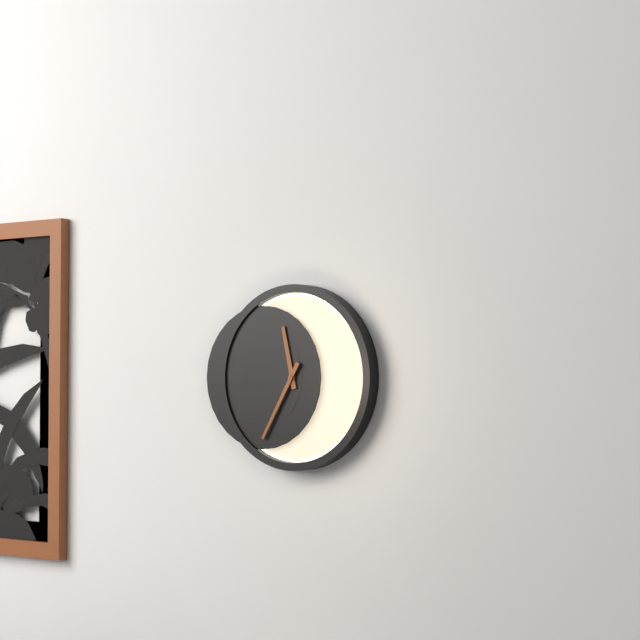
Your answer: **11:35**
